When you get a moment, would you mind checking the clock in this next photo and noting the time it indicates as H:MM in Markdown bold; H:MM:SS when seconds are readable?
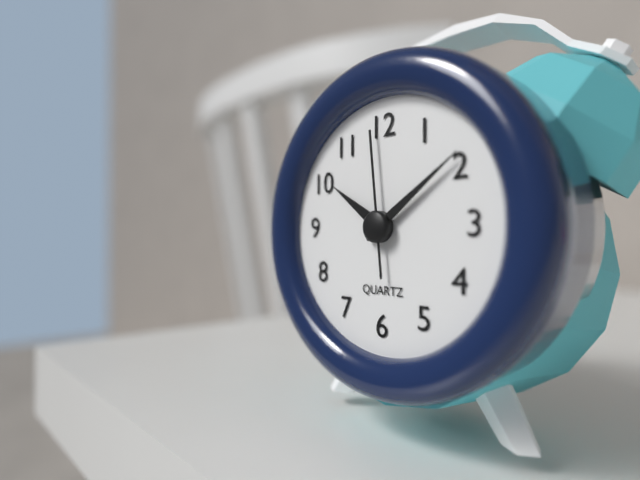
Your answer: **10:09:59**
